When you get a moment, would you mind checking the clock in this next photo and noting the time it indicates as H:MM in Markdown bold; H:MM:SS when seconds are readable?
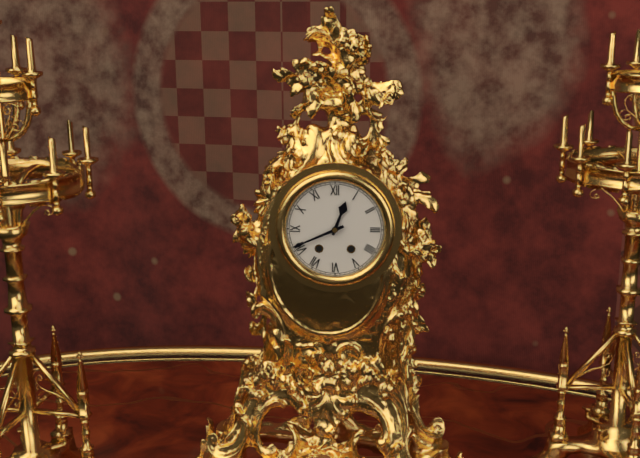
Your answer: **12:41**
